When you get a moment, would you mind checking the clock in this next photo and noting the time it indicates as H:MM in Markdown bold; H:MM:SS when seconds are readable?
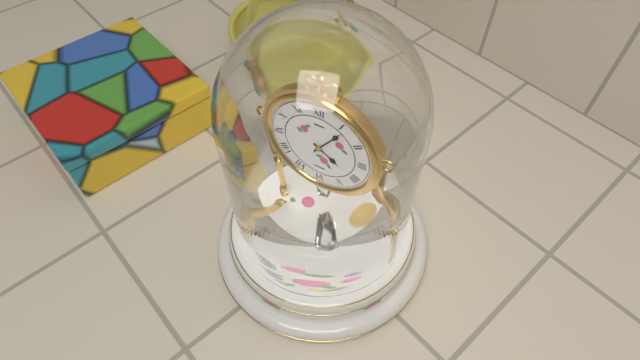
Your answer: **4:06**
